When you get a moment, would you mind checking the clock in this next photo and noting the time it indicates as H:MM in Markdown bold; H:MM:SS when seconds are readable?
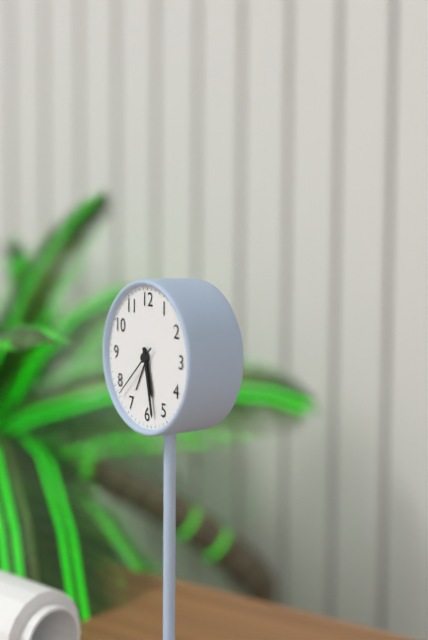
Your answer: **5:28:38**
